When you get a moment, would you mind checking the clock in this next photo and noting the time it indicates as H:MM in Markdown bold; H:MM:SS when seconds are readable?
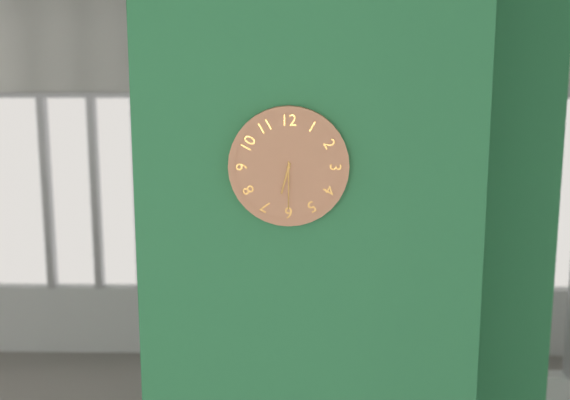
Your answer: **6:30**
